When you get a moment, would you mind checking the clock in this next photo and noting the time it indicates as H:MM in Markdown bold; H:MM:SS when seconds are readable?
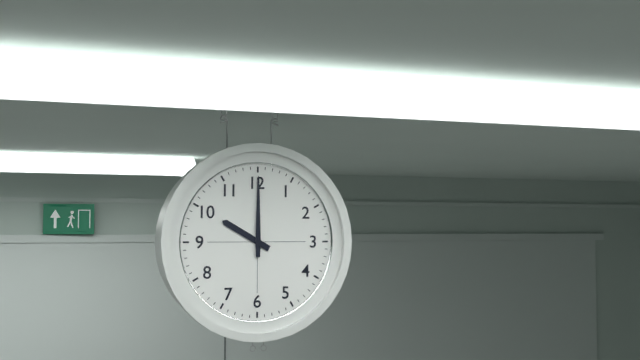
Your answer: **10:00**
